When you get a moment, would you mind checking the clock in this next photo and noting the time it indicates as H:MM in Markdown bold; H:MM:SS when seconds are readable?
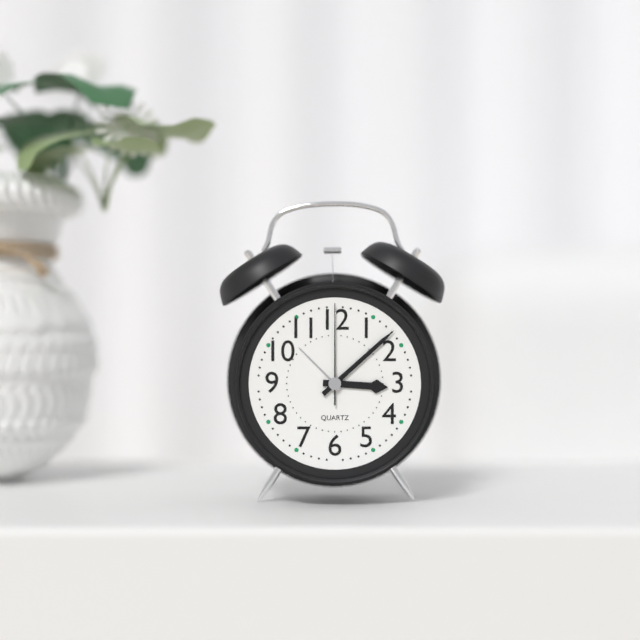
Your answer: **3:08:00**
